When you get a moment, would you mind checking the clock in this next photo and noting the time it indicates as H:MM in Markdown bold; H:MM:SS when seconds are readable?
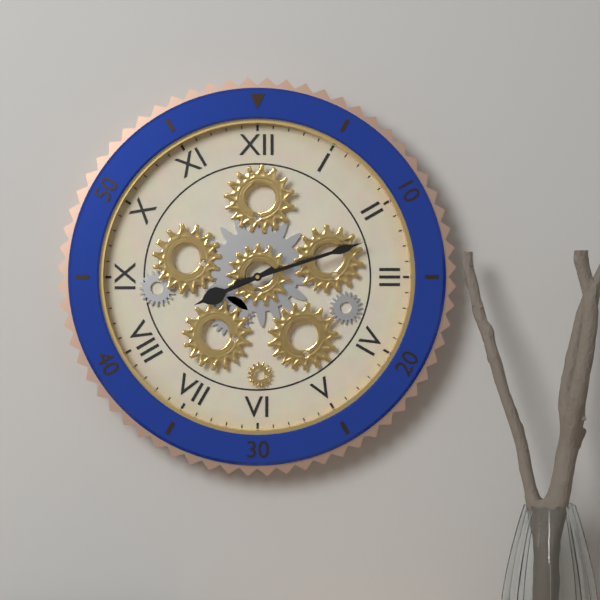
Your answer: **8:12**
